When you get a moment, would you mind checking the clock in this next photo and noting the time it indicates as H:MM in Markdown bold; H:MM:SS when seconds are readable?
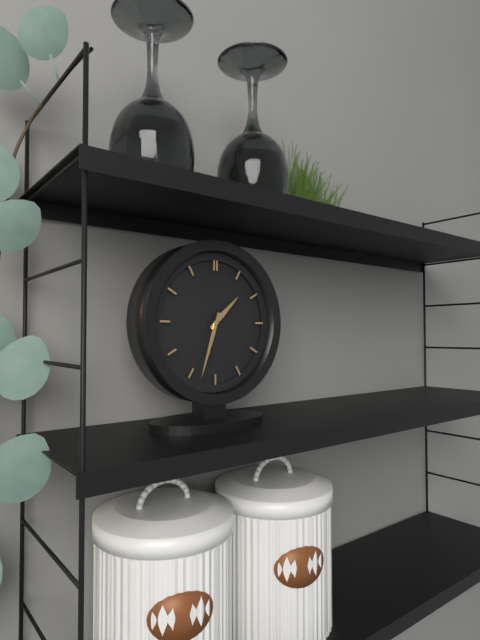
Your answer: **1:33**
